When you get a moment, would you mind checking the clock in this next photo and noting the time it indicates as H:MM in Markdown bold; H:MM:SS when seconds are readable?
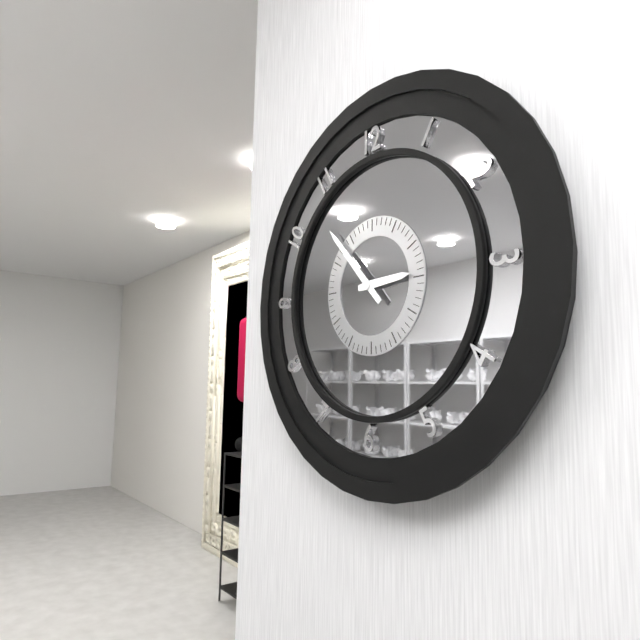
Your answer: **2:53**
